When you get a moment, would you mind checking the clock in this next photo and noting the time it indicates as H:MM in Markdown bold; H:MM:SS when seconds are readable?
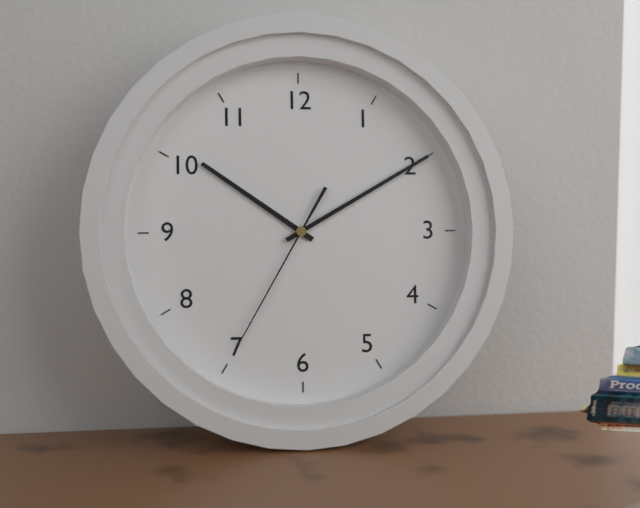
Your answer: **10:10:35**
